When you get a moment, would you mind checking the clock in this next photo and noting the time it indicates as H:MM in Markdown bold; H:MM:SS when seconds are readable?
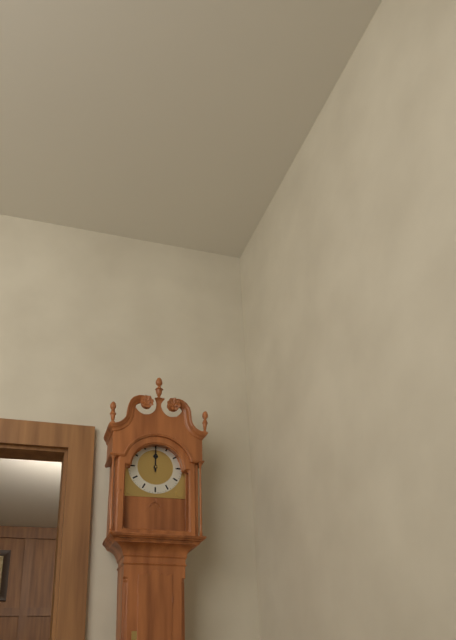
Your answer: **12:00**
